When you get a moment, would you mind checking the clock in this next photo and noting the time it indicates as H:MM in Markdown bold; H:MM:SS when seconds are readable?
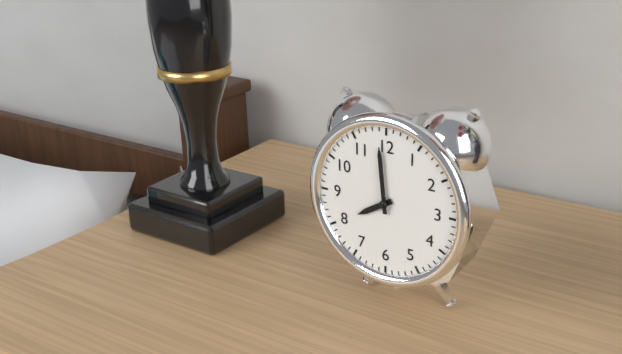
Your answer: **7:59**
